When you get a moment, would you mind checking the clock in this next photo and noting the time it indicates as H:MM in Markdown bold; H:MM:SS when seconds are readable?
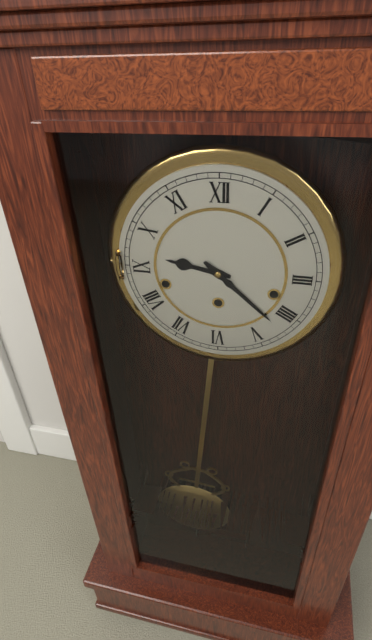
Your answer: **9:22**
